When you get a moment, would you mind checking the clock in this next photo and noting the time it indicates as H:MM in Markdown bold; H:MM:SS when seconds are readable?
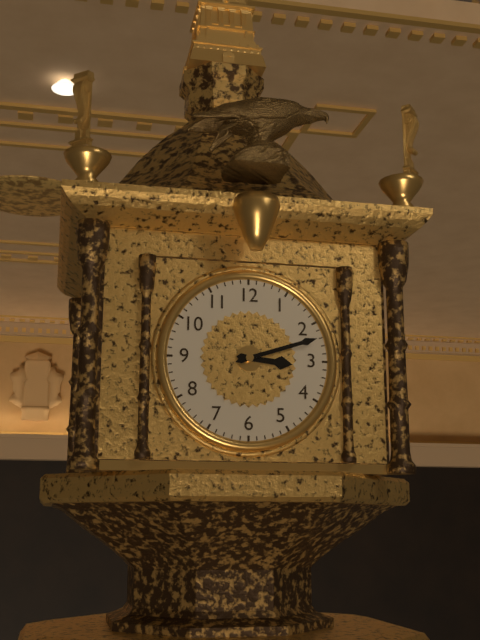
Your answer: **3:12**
